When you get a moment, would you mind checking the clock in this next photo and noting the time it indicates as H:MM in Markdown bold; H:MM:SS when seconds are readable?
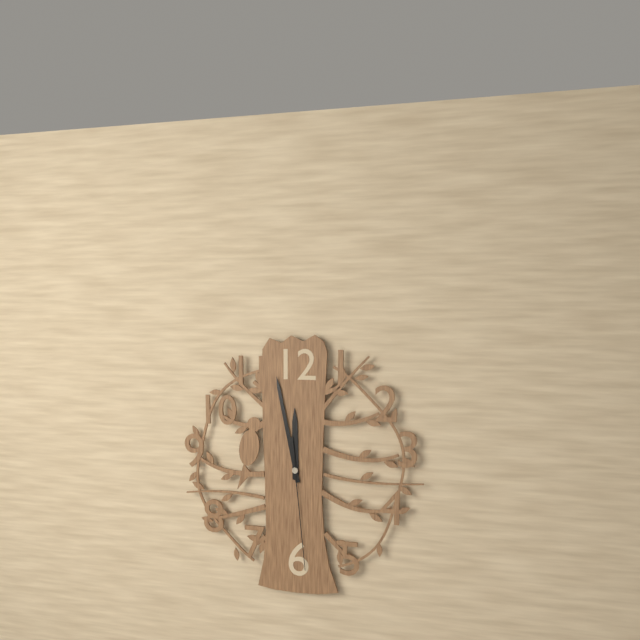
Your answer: **11:58:29**
